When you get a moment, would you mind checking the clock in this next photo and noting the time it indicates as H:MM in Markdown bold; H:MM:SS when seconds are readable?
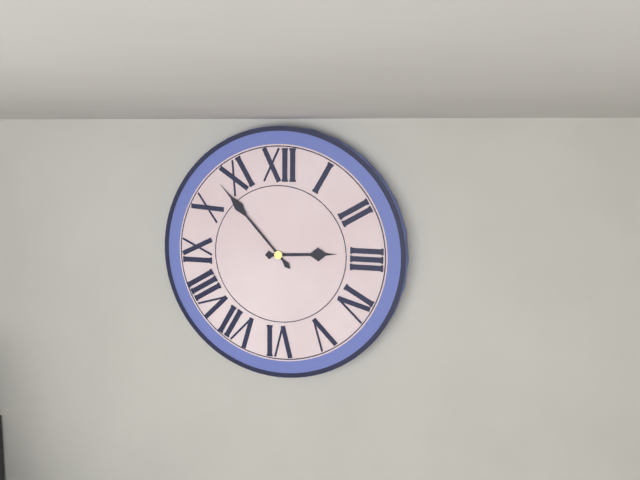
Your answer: **2:53**
